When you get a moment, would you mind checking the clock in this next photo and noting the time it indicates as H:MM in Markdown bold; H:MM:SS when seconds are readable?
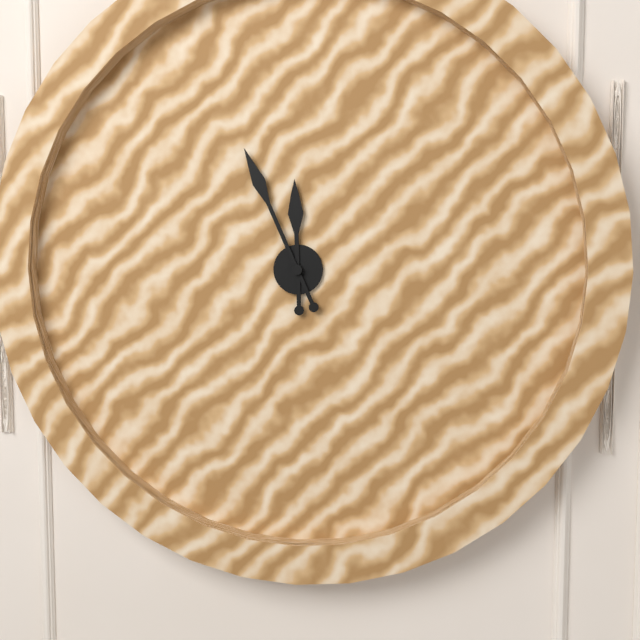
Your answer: **11:56**
